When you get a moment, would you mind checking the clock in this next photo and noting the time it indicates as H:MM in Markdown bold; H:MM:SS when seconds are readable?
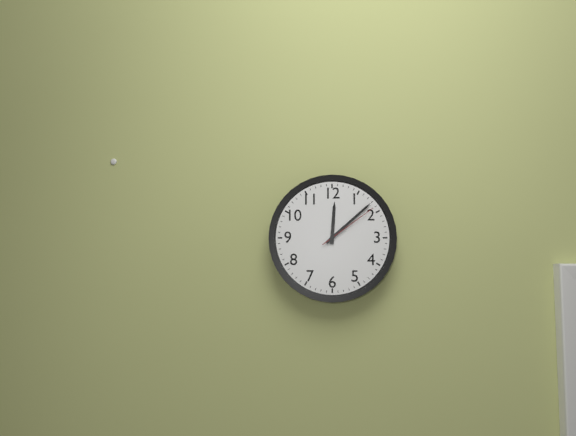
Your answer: **12:08:09**
